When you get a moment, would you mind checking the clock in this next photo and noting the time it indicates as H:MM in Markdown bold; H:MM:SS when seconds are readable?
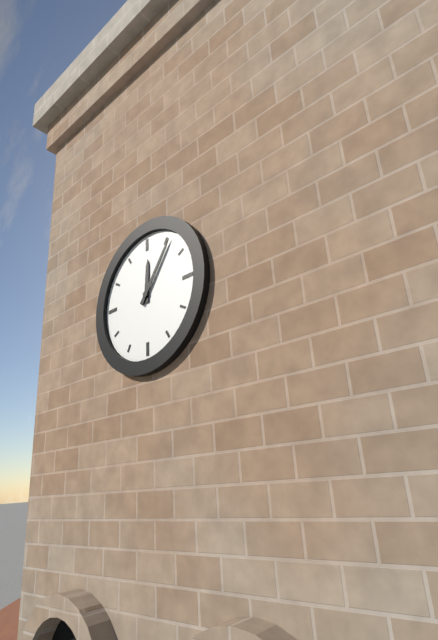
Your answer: **12:06**
